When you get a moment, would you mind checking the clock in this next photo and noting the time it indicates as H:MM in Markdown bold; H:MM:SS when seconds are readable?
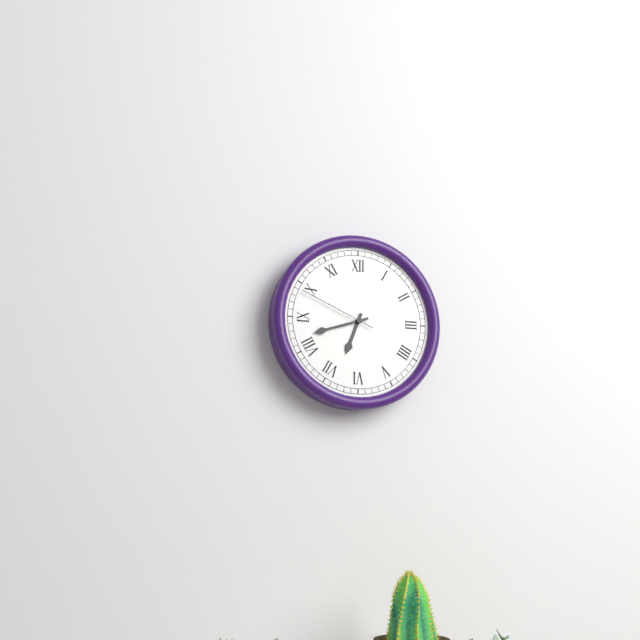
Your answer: **6:42:49**
